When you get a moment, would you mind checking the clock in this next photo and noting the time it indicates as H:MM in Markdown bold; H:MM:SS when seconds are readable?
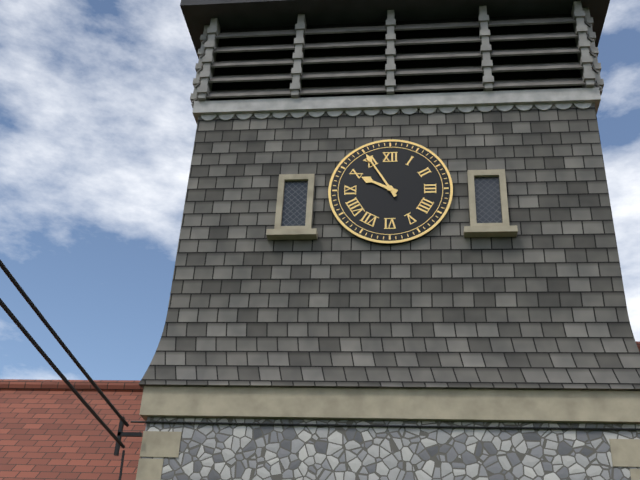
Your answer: **9:55**
